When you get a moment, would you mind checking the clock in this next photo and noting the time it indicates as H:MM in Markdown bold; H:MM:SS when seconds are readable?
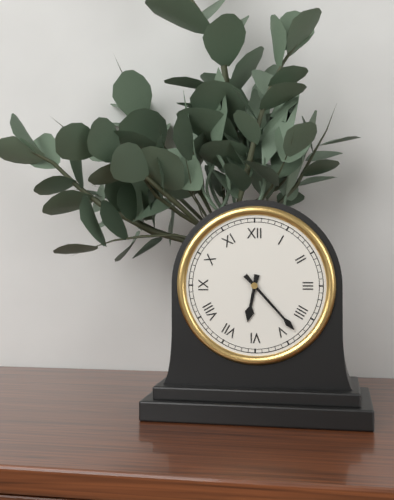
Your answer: **6:23**
